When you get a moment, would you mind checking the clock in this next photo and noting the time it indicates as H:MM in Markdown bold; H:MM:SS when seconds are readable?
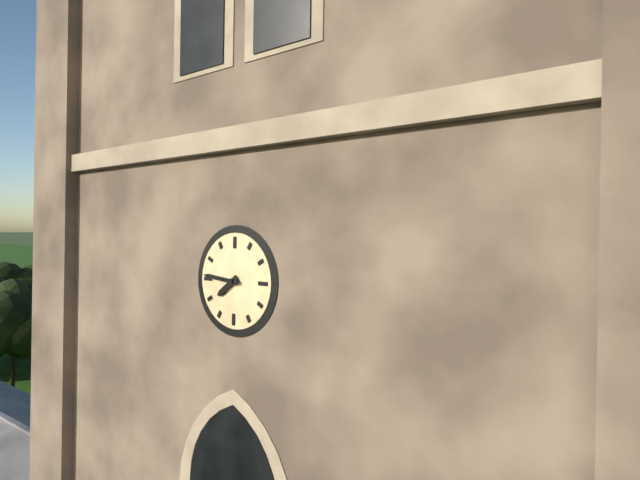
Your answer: **7:46**
